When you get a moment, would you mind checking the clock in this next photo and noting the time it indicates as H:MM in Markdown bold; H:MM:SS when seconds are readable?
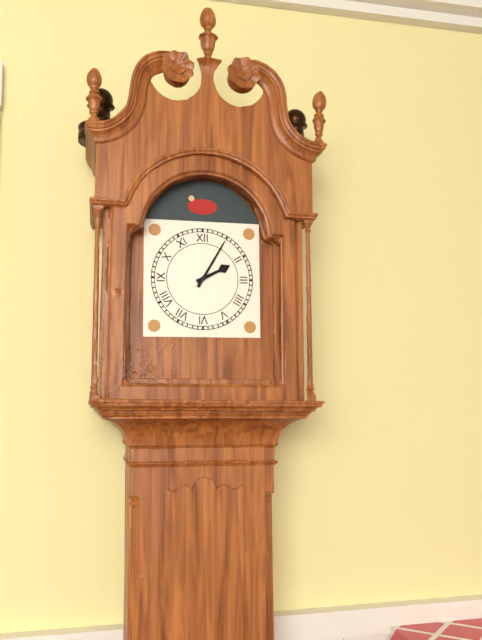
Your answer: **2:05**
